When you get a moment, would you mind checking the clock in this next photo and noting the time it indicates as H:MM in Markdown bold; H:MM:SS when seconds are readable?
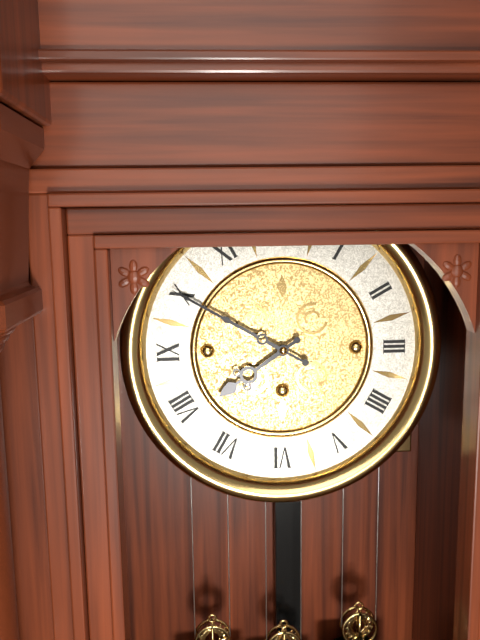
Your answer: **7:50**
